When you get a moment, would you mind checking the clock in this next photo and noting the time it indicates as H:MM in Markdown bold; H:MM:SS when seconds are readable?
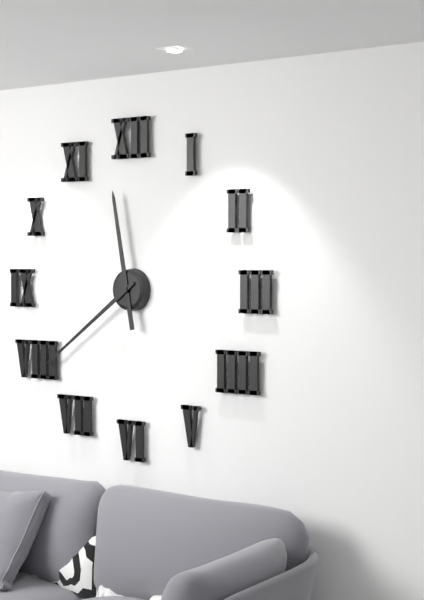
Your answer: **11:39**
